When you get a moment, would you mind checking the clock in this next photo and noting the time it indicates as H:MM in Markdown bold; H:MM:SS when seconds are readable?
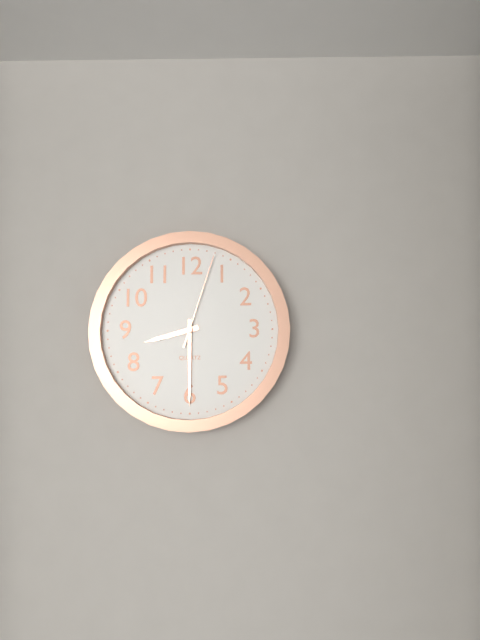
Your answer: **8:30:03**
